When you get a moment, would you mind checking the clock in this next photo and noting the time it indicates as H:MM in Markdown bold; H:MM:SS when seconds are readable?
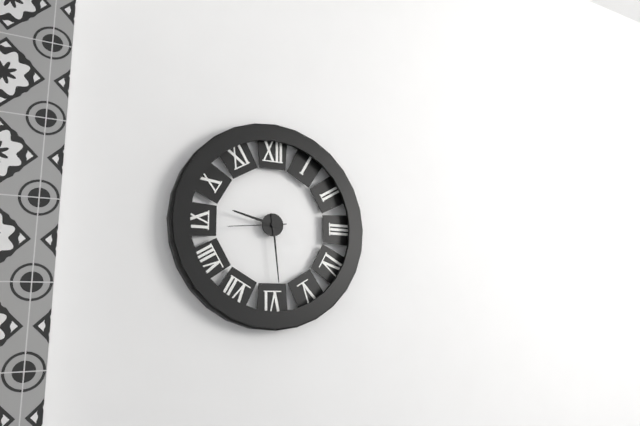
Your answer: **9:29:44**
